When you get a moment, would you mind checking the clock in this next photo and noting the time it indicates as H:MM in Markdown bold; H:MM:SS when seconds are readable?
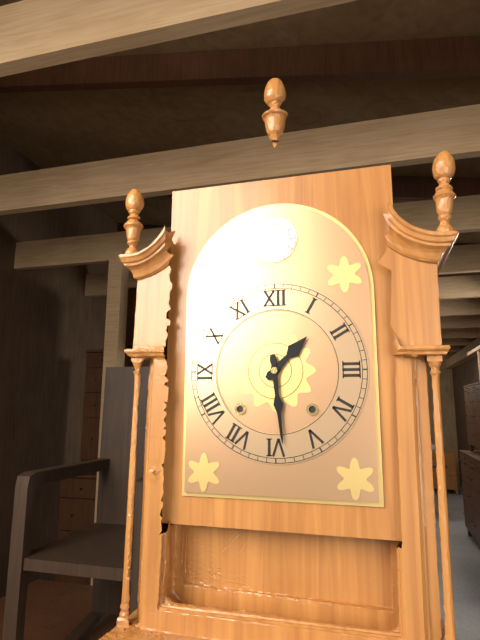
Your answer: **1:29**
